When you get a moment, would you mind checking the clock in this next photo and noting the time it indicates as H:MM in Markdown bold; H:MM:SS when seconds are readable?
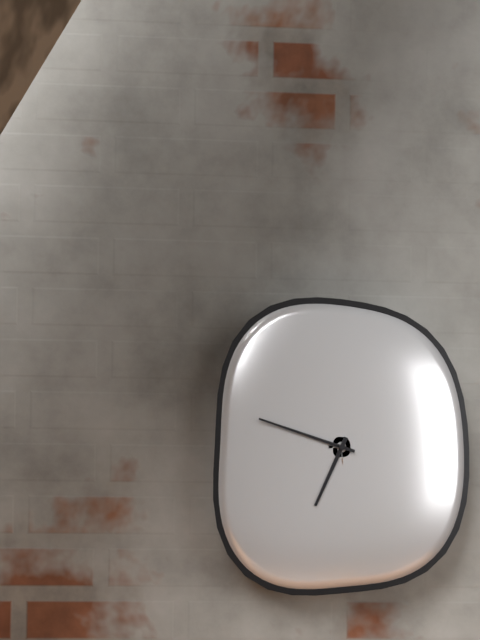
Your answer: **6:48**
